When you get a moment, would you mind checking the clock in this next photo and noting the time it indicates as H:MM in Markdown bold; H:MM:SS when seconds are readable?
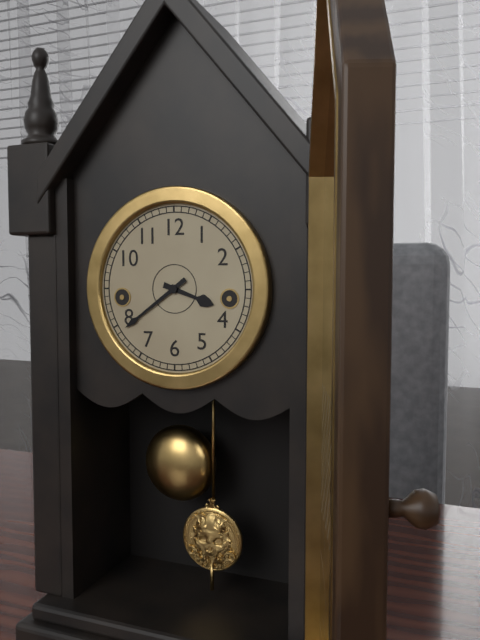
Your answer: **3:39**
